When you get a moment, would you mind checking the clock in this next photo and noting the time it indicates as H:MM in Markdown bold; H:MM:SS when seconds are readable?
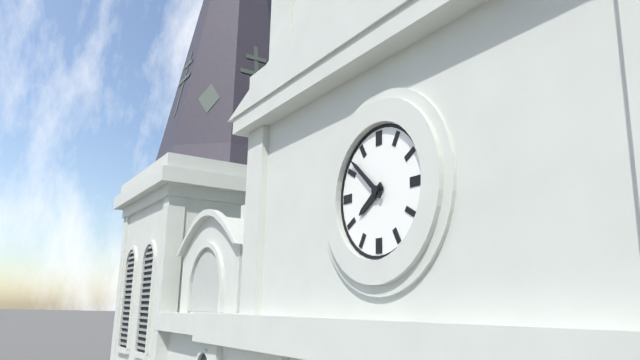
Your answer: **7:52**
